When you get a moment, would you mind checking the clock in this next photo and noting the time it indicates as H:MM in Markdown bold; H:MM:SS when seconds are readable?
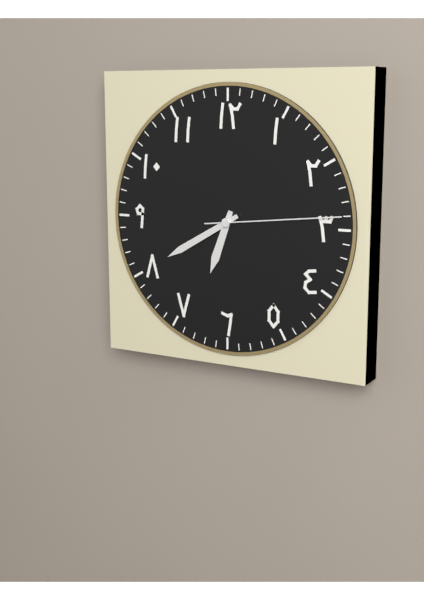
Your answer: **6:40:14**
